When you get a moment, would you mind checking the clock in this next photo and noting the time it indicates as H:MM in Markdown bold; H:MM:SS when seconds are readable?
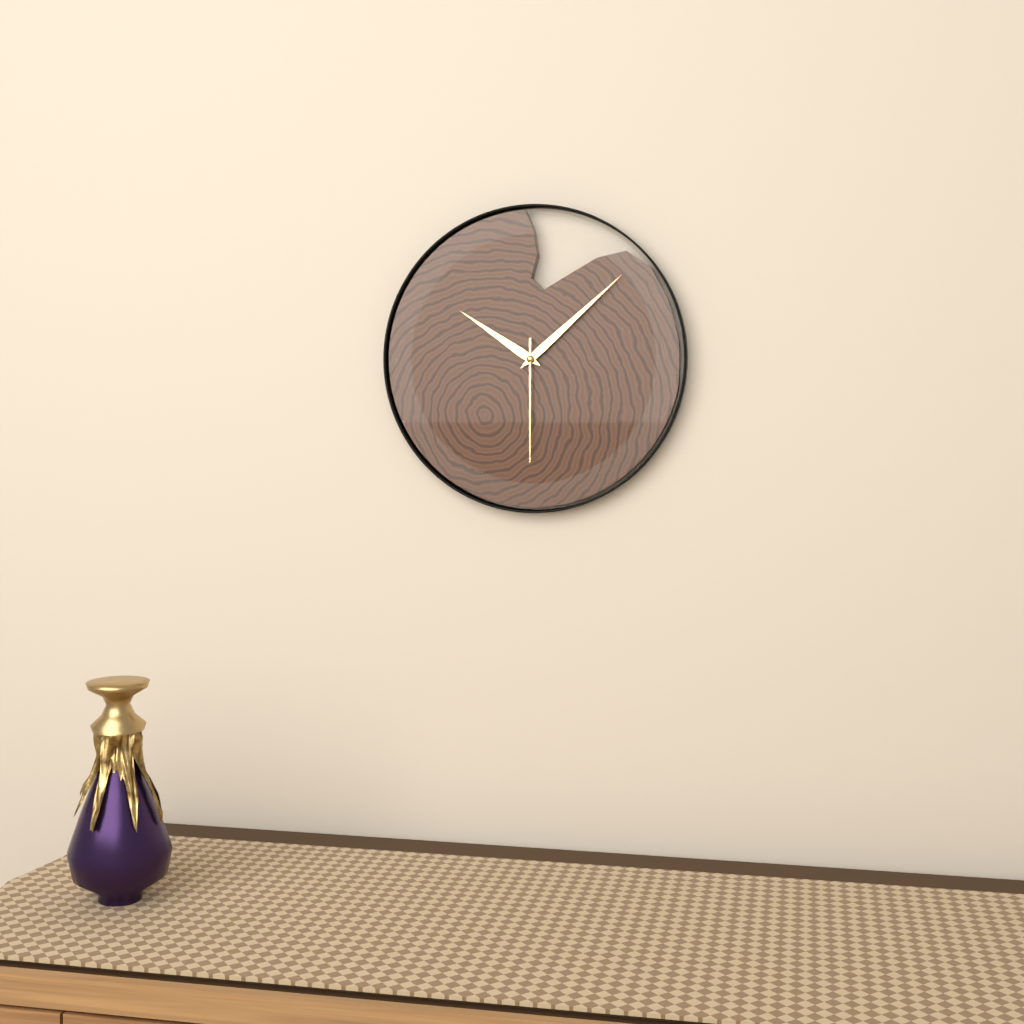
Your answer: **10:08:30**
